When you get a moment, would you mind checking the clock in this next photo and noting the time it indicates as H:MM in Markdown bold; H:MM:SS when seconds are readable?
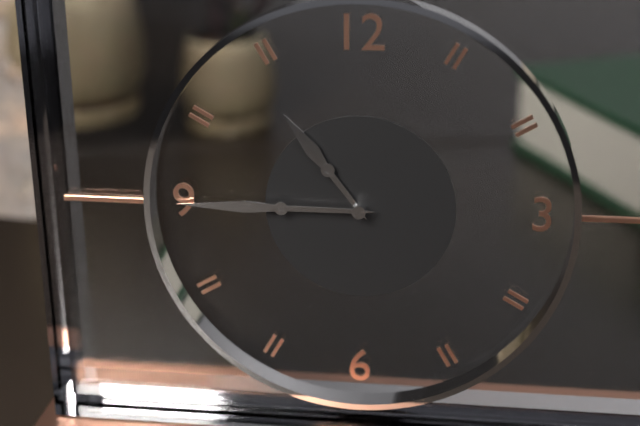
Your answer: **10:45**
